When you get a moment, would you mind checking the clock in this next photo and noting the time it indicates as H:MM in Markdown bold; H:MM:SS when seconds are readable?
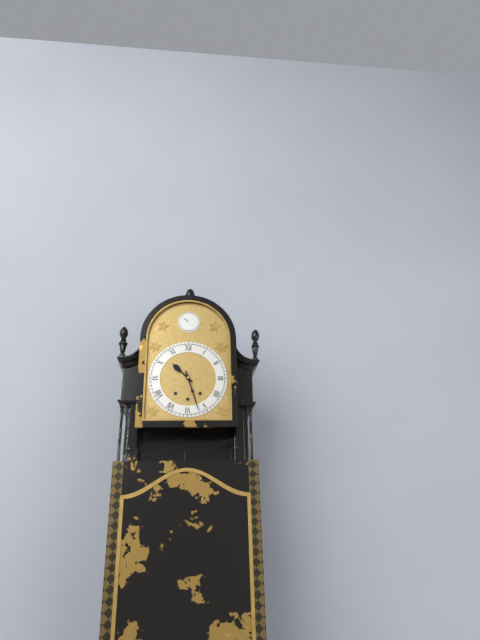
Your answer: **10:27**
